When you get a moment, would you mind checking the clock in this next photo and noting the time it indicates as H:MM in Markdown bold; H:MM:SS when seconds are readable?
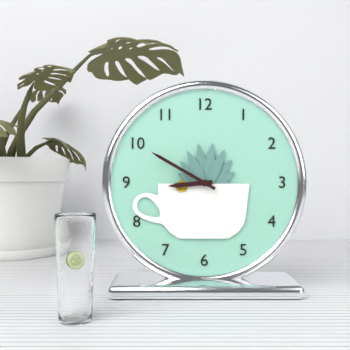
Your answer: **8:50**
